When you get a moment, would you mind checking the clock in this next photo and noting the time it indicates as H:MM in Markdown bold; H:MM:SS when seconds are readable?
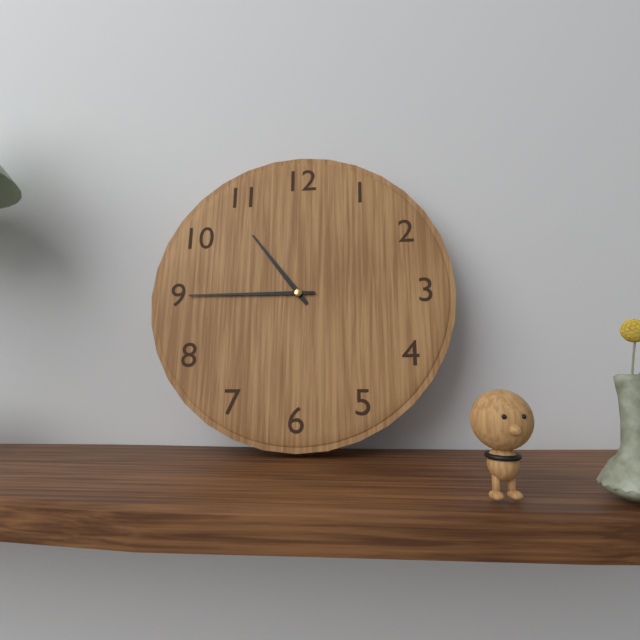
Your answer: **10:45**
